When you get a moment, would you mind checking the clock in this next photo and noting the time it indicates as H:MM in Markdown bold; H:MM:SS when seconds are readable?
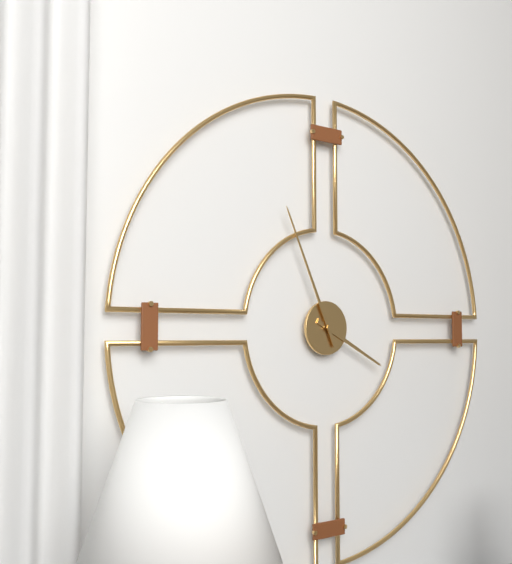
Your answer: **3:56**
